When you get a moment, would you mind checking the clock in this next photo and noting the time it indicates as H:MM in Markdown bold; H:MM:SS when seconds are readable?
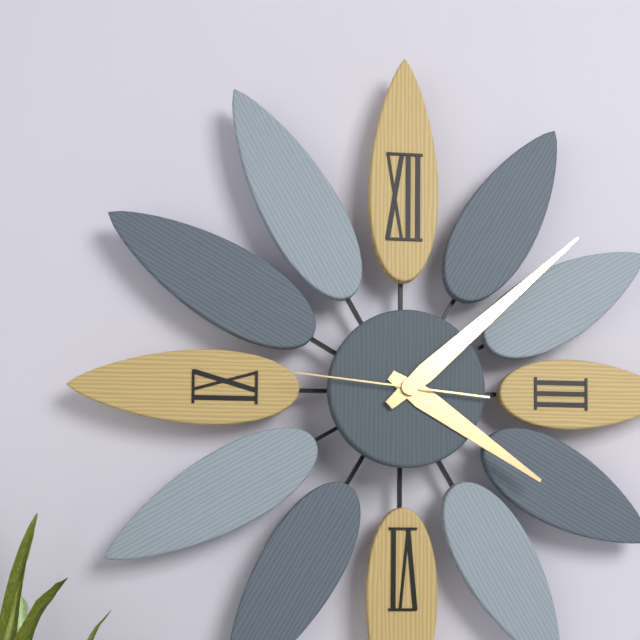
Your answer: **4:08:46**
